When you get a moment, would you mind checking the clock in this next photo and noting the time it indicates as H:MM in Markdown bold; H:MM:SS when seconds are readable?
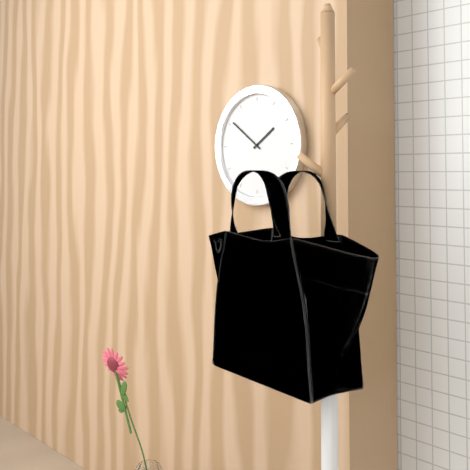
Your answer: **1:51**
